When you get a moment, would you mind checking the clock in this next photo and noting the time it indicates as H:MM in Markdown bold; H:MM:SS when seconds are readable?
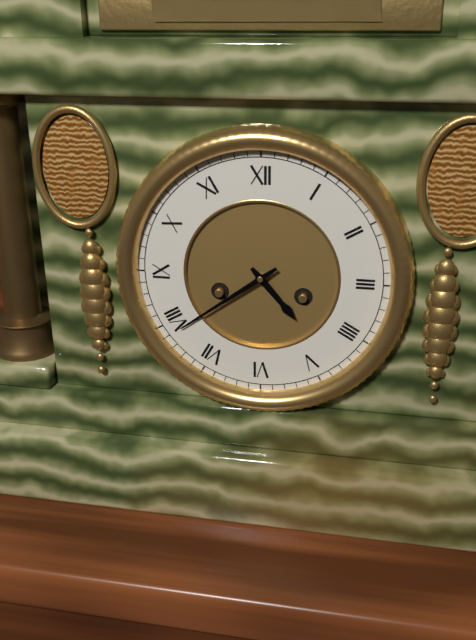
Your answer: **4:39**
